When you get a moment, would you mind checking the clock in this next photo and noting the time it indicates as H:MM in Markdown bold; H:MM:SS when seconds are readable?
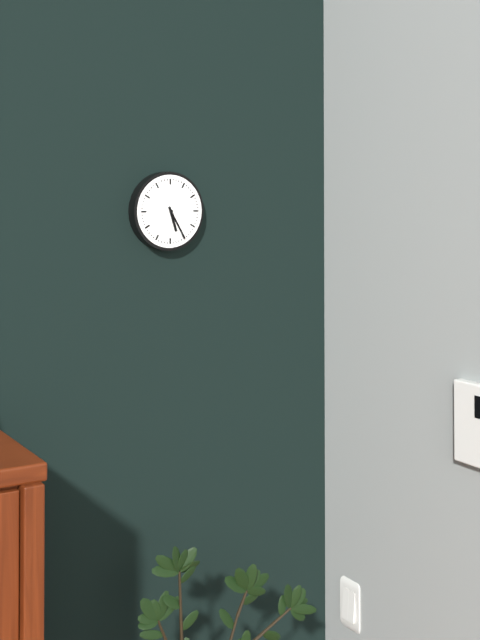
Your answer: **5:25**
